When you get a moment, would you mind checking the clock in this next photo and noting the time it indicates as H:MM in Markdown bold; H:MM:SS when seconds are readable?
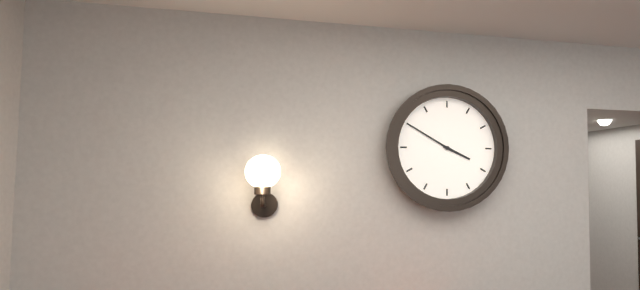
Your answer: **3:50**
